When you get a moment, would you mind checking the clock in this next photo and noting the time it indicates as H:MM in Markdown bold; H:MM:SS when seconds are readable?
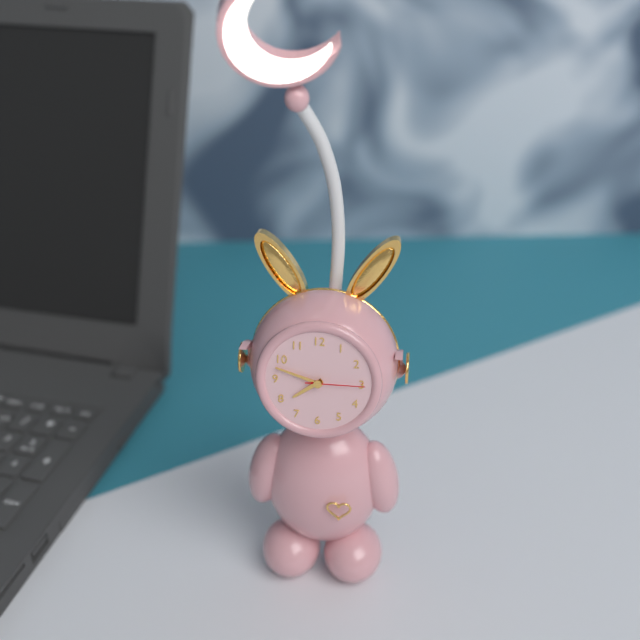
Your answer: **7:48:15**
